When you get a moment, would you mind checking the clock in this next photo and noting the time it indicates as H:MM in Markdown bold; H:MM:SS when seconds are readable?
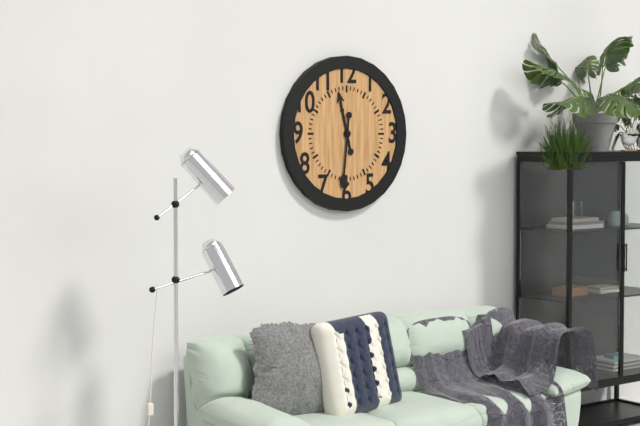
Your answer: **11:31**
